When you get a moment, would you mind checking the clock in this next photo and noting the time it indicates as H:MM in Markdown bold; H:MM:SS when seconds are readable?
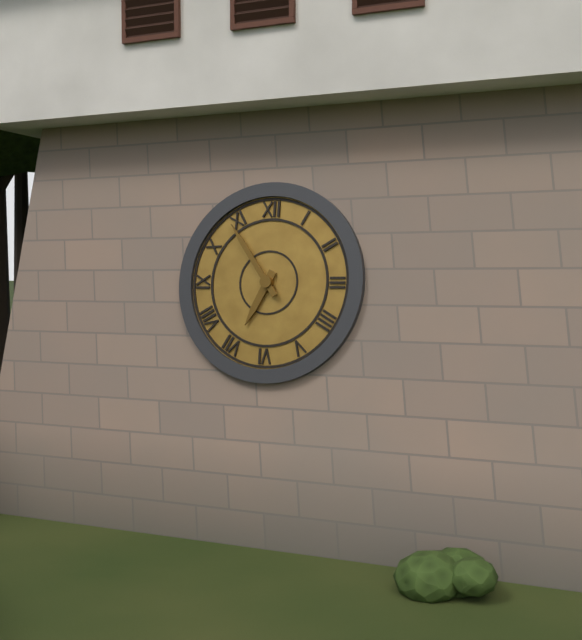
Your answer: **6:54**
